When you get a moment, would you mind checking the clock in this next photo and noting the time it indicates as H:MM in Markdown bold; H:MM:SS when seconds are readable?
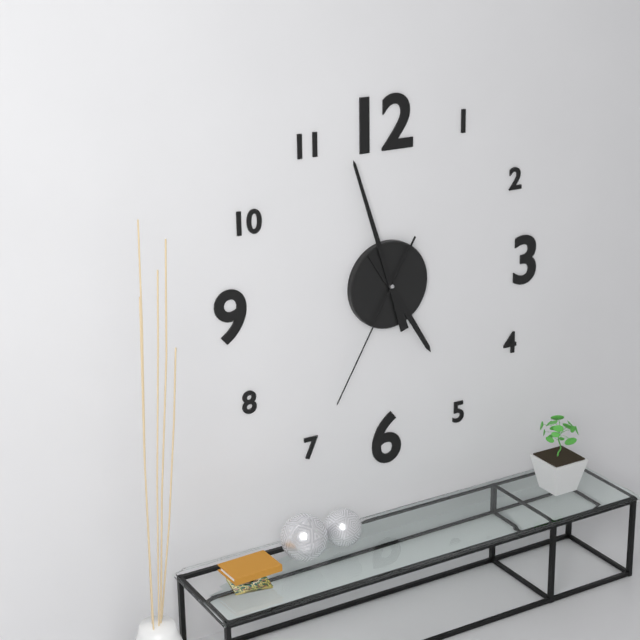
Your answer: **4:57:35**
